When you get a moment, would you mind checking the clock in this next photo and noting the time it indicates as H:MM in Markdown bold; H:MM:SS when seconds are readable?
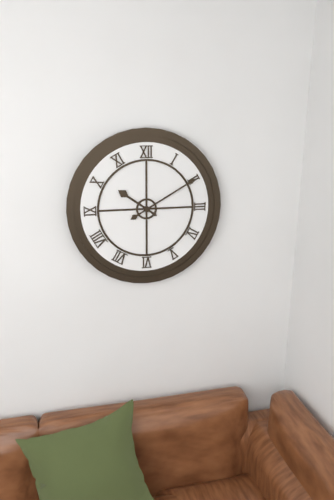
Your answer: **10:10**
